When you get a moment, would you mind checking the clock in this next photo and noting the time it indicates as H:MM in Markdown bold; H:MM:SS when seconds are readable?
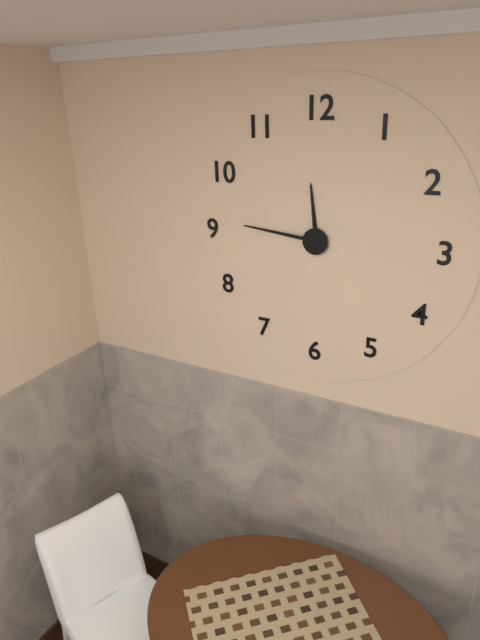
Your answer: **11:46**
